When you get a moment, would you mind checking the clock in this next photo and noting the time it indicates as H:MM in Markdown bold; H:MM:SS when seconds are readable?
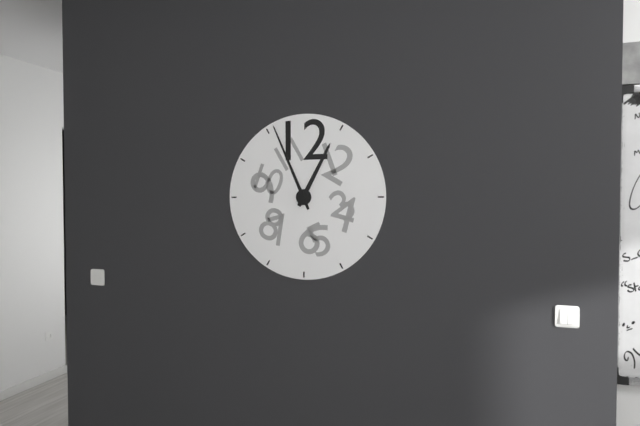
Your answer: **12:56**
